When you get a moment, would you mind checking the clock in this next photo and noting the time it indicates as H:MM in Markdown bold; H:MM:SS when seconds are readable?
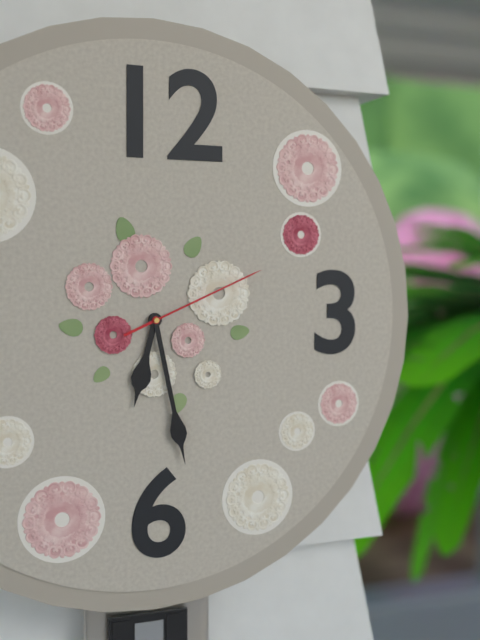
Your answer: **6:28:11**
